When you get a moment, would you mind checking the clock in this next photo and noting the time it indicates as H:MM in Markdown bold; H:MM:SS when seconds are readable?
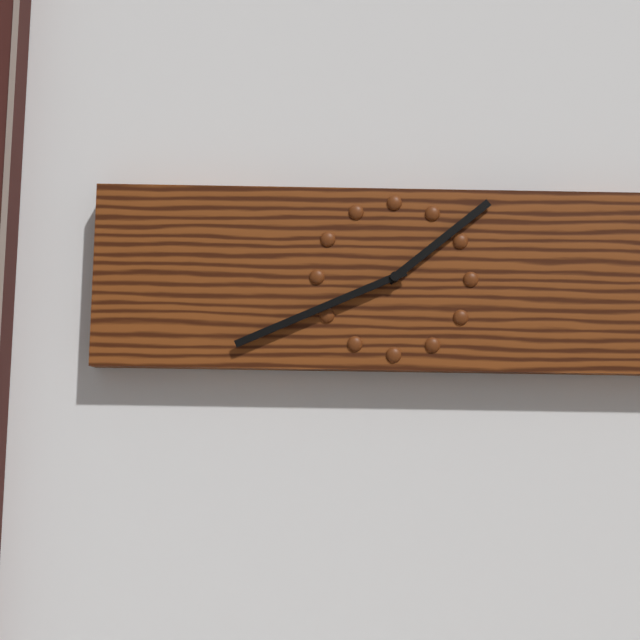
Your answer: **1:41**
